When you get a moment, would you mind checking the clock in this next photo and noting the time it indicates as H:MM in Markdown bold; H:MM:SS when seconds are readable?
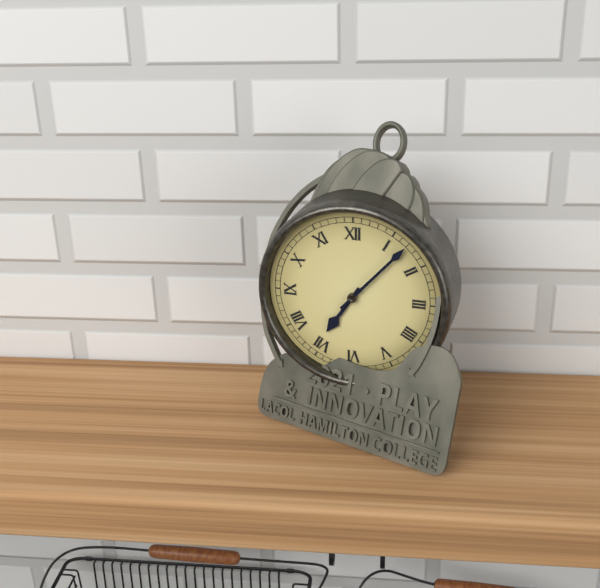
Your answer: **7:07**
